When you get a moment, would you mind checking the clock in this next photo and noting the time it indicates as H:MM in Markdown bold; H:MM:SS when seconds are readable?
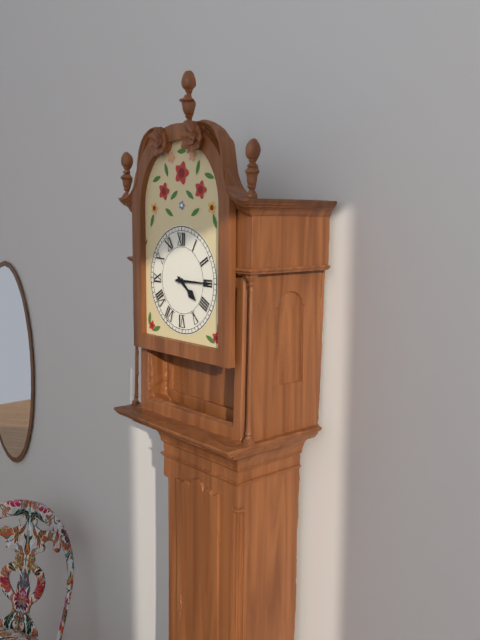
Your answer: **4:15**
